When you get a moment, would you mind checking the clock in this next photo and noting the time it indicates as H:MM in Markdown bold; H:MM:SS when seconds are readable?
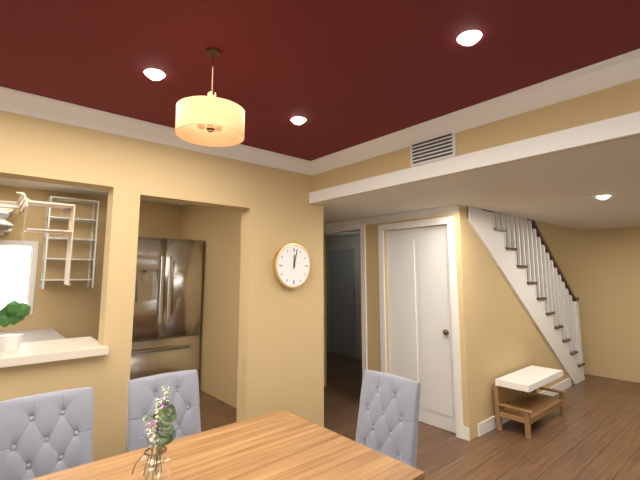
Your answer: **12:02**
